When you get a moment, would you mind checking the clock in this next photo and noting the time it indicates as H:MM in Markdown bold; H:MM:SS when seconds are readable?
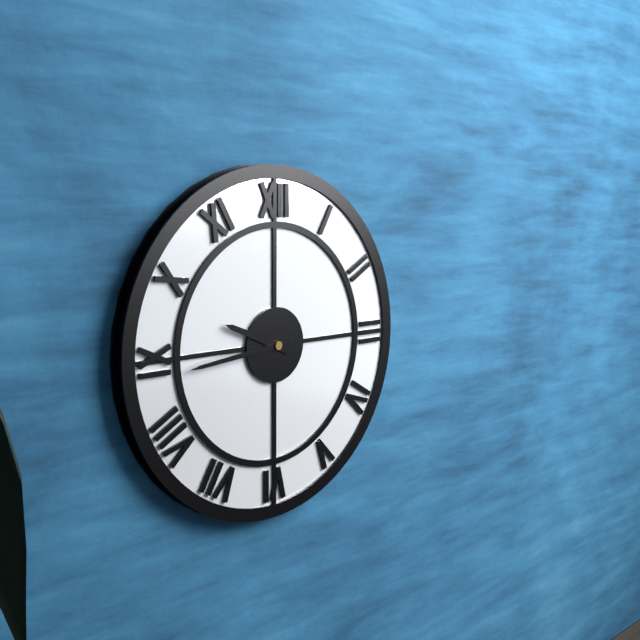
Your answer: **9:44**
